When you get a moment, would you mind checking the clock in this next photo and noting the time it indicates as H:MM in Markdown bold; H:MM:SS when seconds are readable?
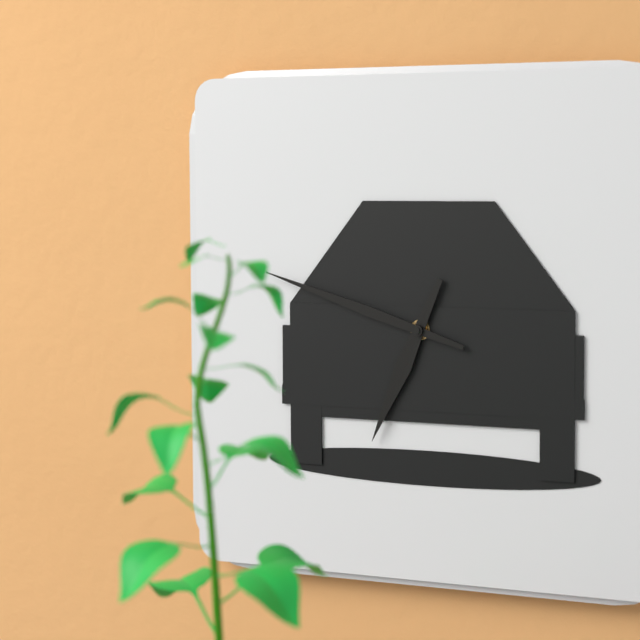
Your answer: **6:48**
